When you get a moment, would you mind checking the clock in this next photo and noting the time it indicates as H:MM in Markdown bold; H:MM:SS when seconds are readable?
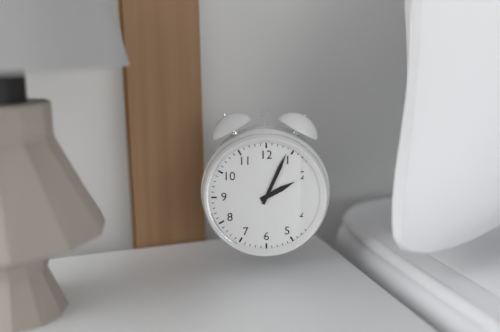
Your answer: **2:04**
